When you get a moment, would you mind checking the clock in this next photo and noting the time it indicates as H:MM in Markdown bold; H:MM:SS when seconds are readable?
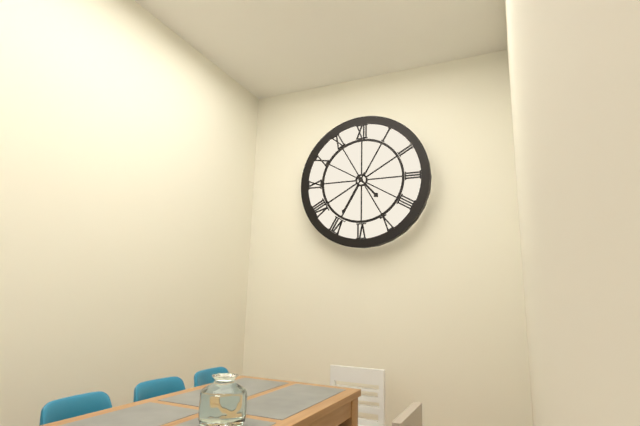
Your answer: **4:35**
